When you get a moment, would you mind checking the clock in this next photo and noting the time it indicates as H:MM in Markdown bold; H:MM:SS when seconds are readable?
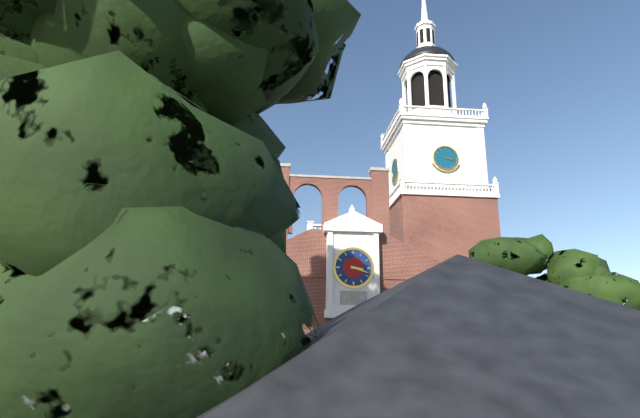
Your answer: **3:18**
